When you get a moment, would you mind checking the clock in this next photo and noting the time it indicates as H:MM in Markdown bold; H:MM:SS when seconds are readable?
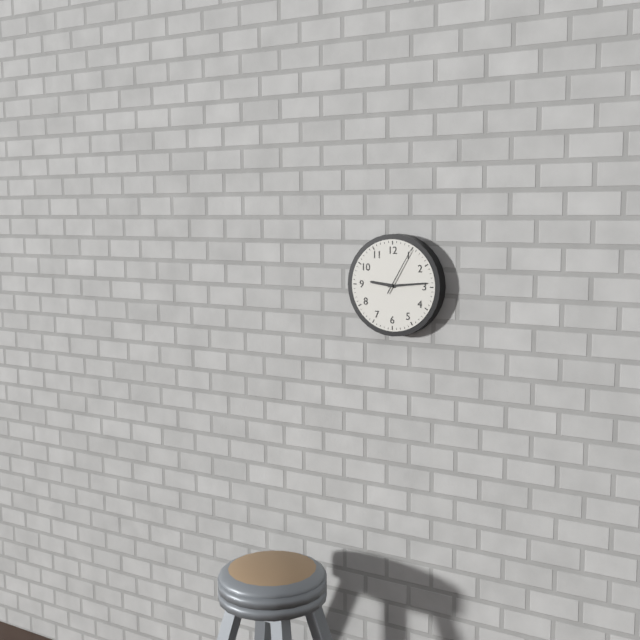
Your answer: **9:14:05**
